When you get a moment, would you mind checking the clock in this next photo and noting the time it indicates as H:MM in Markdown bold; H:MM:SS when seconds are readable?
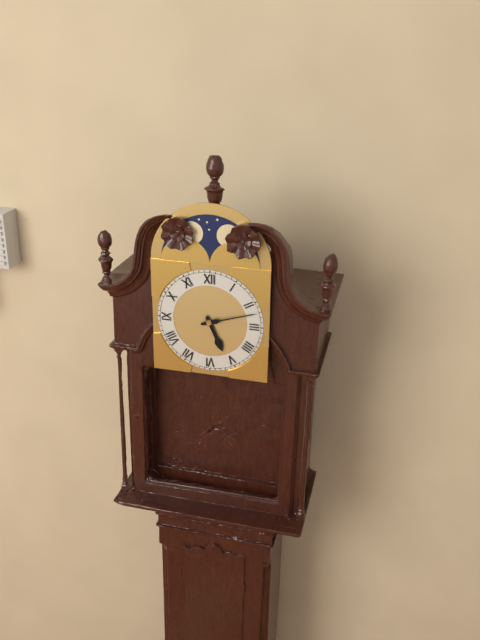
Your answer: **5:12**
